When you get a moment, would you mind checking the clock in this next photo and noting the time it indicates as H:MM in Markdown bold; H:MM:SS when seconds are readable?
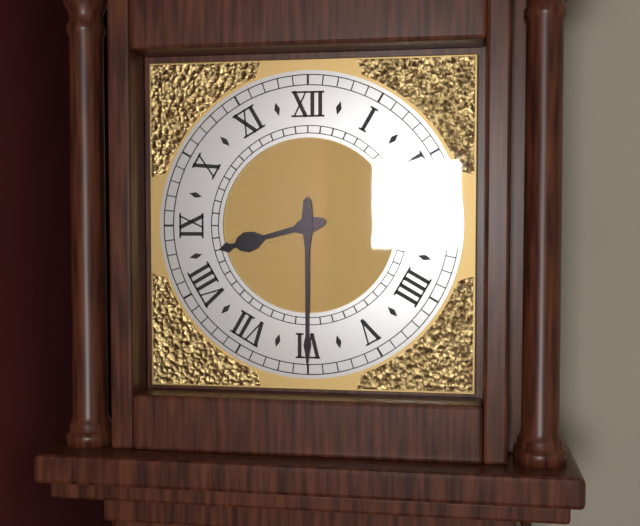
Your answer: **8:30**
